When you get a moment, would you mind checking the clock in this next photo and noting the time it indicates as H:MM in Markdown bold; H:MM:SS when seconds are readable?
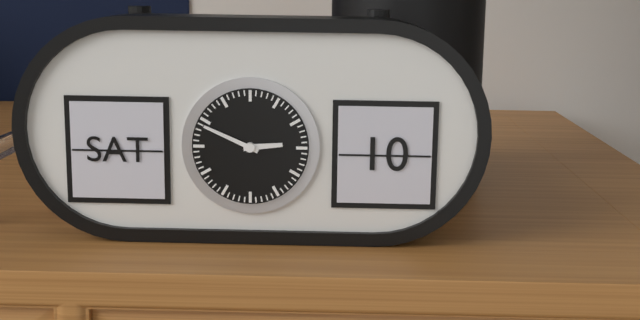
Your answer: **2:49**
